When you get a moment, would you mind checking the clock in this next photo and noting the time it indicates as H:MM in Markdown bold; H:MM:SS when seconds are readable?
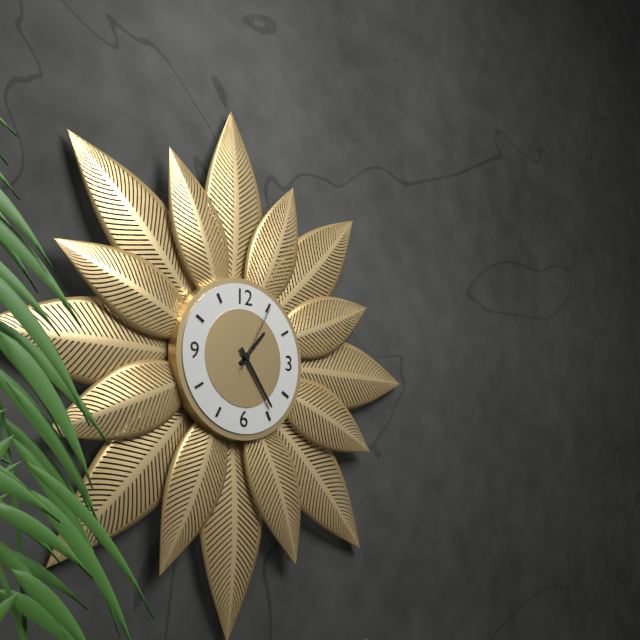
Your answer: **1:24:05**
